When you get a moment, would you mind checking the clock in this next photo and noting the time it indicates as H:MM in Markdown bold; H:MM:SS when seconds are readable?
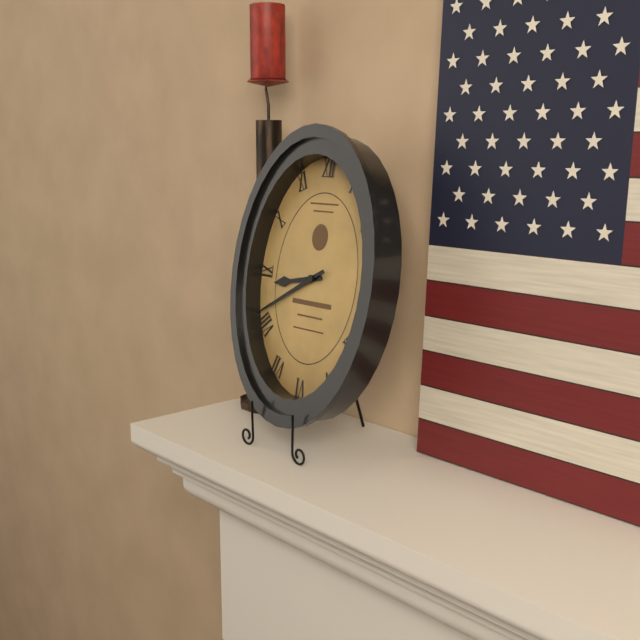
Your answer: **8:40**
